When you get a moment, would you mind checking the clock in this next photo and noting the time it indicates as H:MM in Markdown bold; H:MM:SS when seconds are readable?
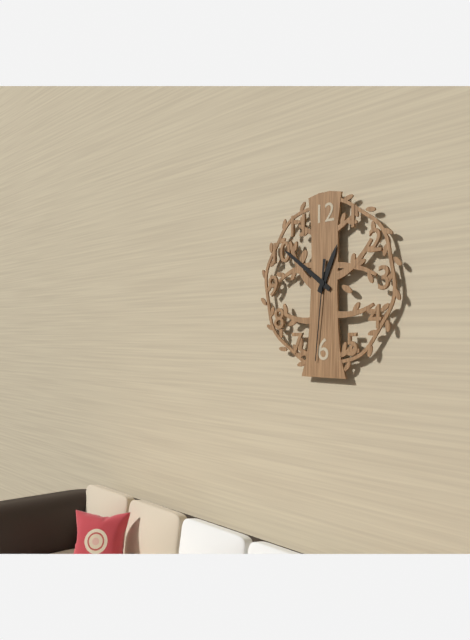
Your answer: **12:51:31**
